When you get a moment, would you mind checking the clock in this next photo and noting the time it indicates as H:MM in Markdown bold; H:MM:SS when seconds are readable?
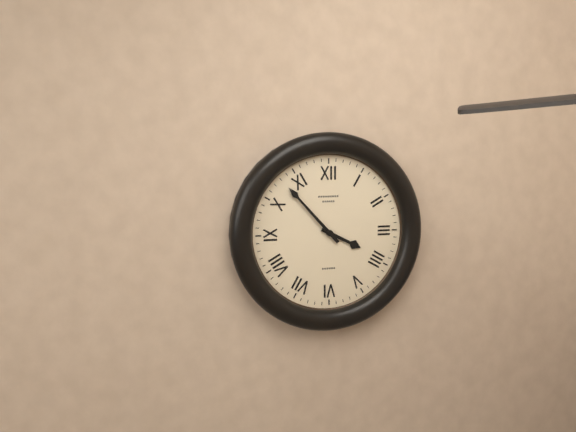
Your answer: **3:53**
